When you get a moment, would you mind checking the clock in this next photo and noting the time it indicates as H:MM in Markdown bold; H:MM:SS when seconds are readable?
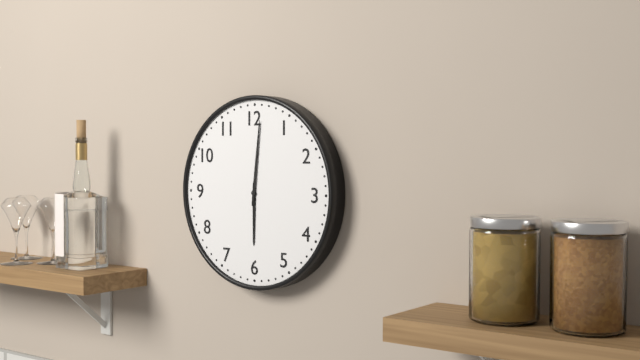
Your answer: **6:01**
